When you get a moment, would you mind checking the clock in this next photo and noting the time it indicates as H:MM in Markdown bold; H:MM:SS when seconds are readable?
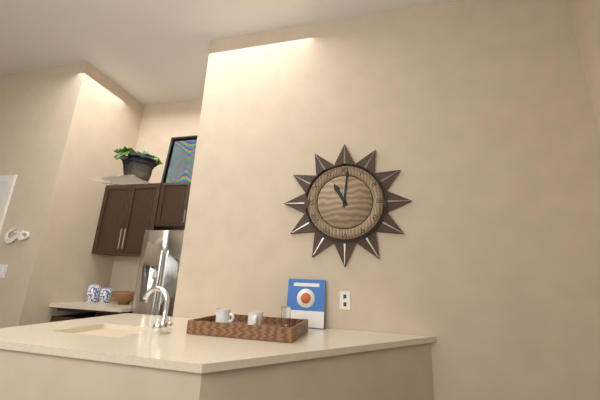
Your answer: **11:01**
